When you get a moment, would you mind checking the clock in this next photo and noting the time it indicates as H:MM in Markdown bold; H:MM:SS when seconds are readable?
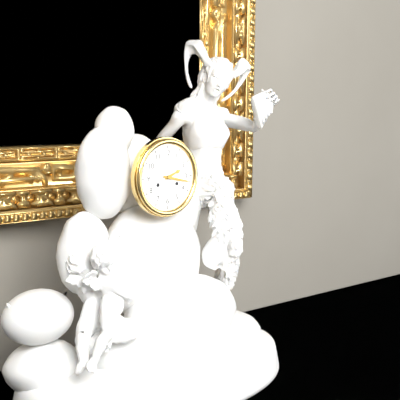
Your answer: **2:17**
